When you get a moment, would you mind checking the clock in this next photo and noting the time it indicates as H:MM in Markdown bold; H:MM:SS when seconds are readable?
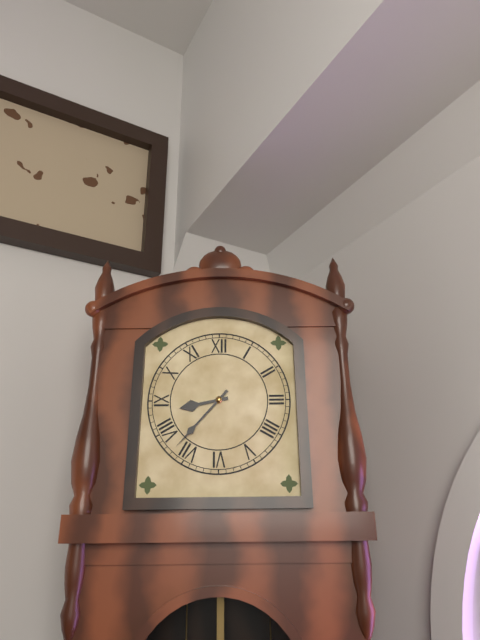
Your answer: **8:37**
